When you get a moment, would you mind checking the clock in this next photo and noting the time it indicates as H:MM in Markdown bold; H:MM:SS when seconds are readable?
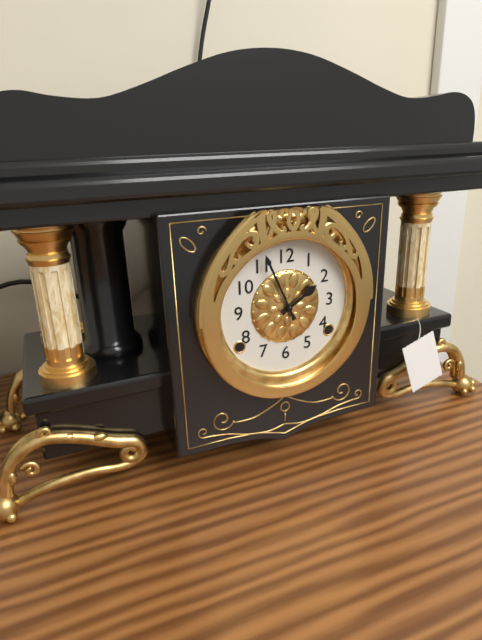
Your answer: **1:56**
